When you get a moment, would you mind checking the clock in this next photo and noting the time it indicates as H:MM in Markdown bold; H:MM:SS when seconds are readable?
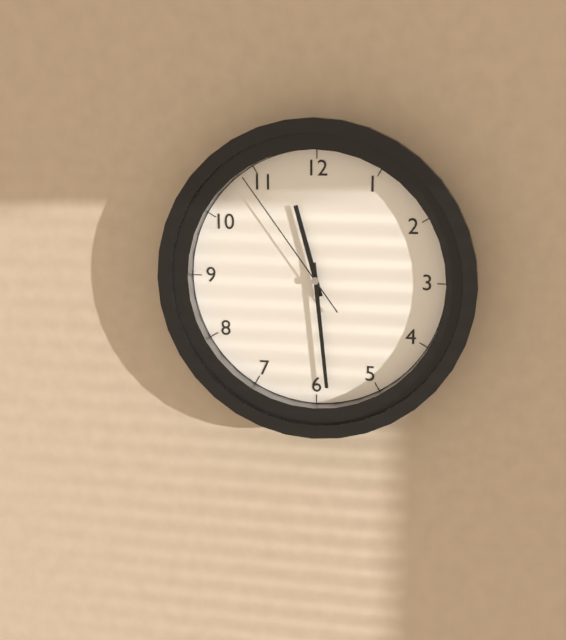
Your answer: **11:29:54**
